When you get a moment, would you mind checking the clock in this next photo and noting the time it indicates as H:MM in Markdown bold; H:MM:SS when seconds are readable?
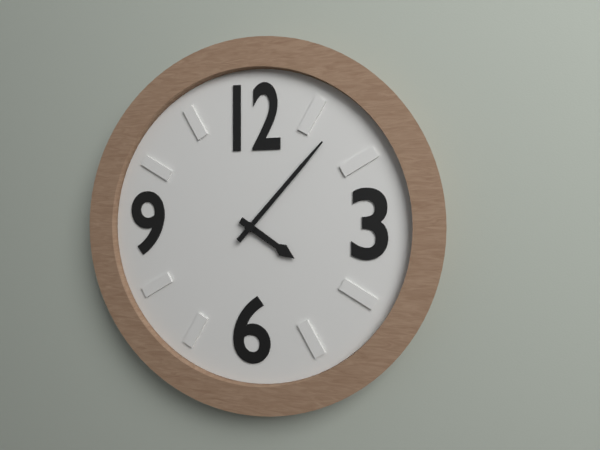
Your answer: **4:07**
